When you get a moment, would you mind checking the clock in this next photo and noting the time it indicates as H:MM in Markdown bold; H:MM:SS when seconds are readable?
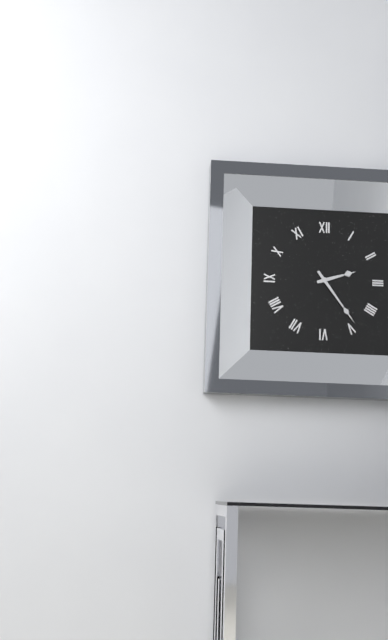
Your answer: **2:24**
